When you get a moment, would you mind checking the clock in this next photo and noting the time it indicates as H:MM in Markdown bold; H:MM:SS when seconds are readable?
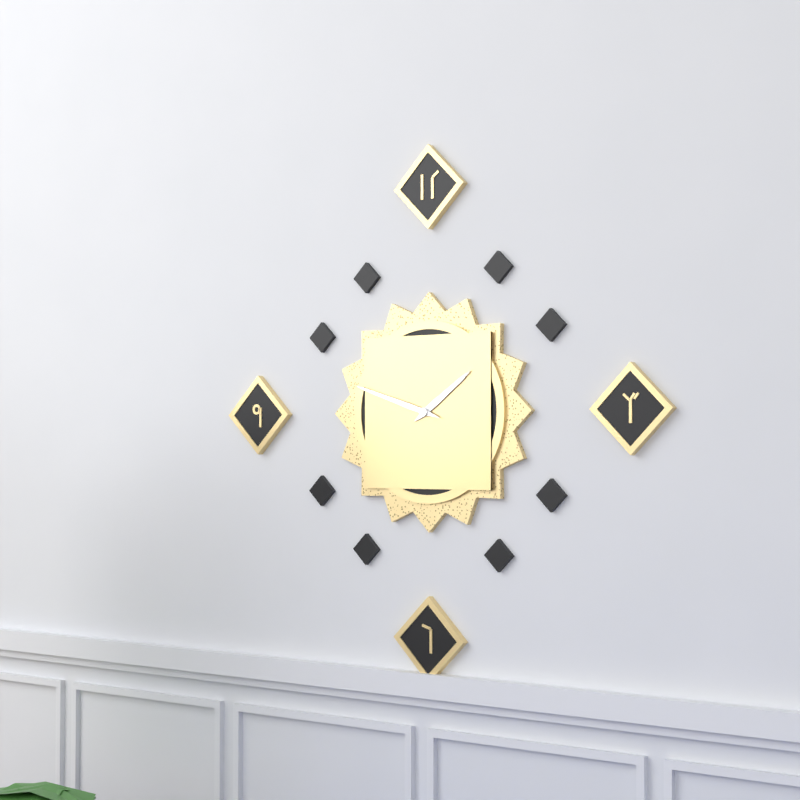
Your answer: **1:48**
